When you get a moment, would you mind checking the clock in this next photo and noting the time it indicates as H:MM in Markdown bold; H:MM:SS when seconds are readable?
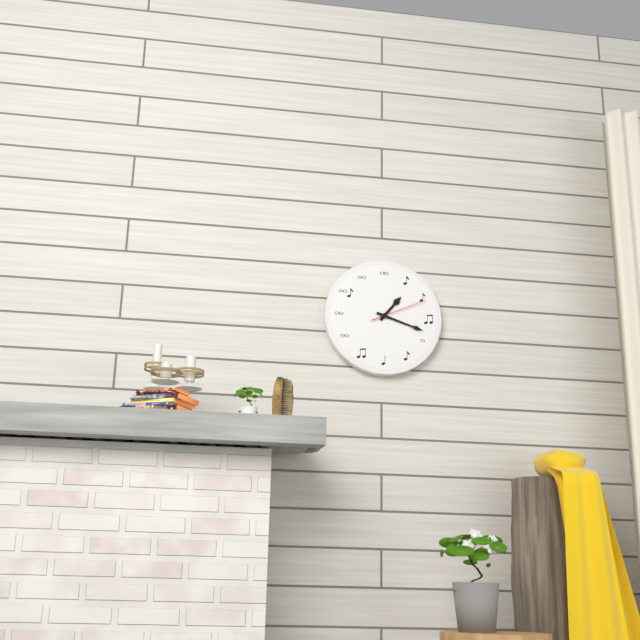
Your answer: **1:18:11**
